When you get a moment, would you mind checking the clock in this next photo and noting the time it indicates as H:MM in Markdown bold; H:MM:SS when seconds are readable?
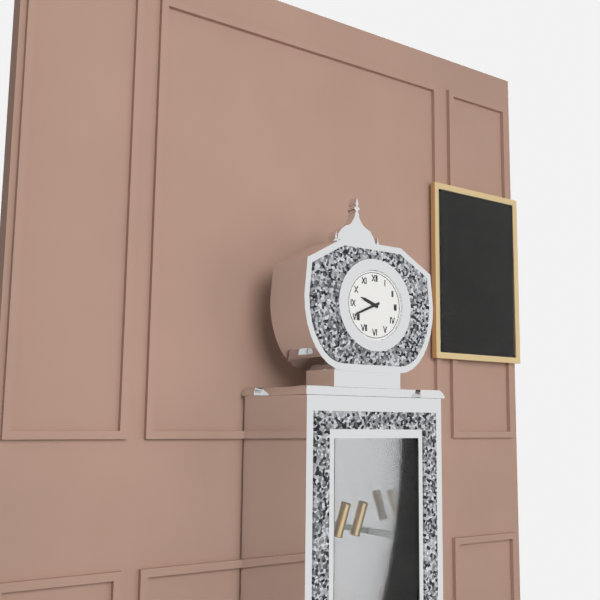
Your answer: **9:41**
